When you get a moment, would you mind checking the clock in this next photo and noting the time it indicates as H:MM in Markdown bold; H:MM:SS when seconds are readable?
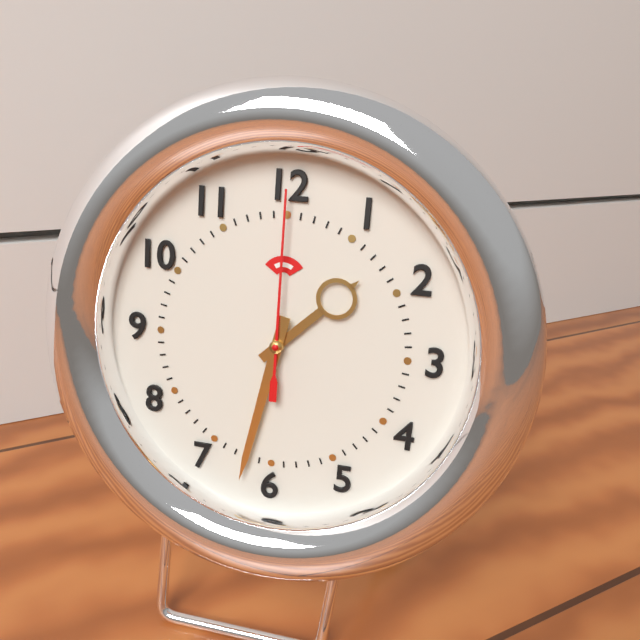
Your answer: **1:32:00**
